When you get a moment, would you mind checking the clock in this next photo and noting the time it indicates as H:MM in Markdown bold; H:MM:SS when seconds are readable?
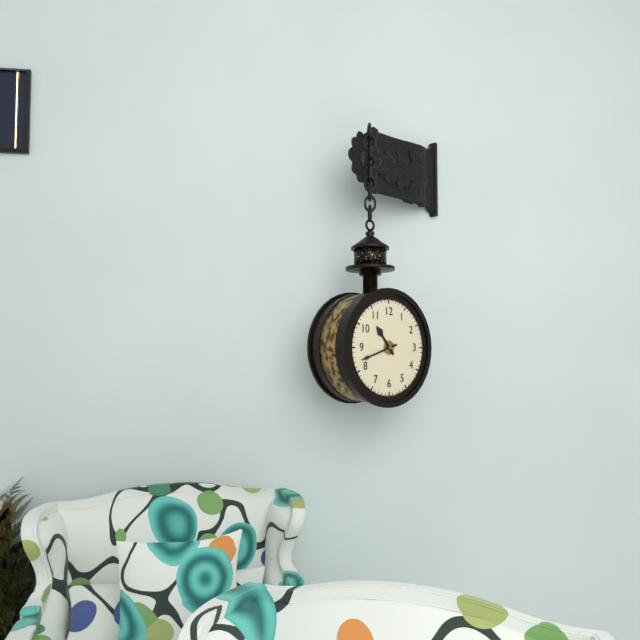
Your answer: **10:42**
